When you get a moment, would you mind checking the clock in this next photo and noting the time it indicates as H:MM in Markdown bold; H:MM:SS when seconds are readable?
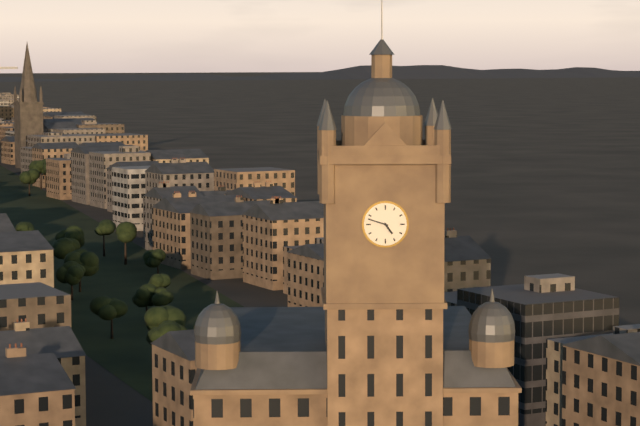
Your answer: **4:48**
